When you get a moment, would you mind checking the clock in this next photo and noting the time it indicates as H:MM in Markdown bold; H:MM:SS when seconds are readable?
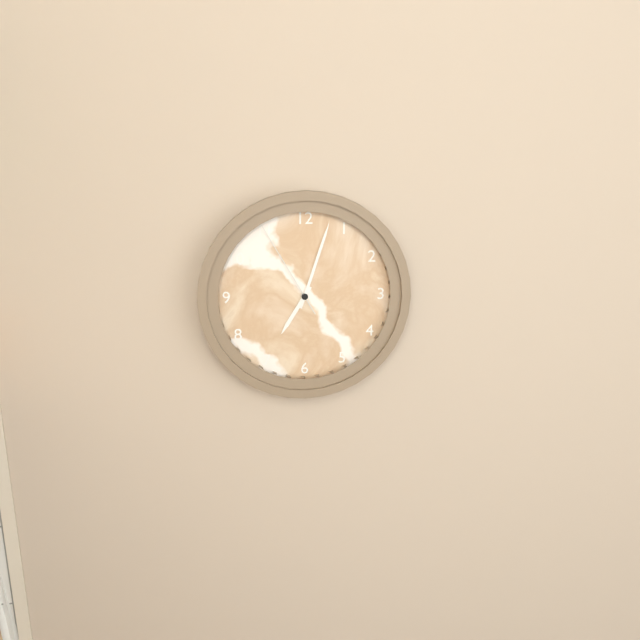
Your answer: **7:03:55**
